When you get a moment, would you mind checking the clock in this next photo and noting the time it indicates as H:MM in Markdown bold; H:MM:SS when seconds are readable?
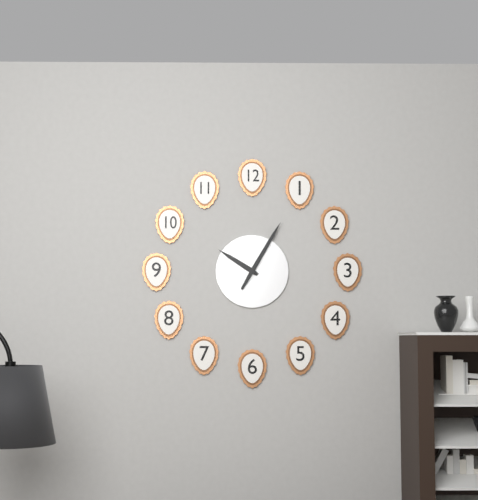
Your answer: **10:05**
